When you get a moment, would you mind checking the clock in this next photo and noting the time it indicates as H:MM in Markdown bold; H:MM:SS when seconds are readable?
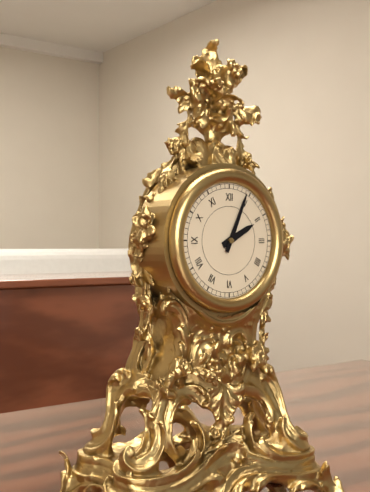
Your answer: **2:04**
